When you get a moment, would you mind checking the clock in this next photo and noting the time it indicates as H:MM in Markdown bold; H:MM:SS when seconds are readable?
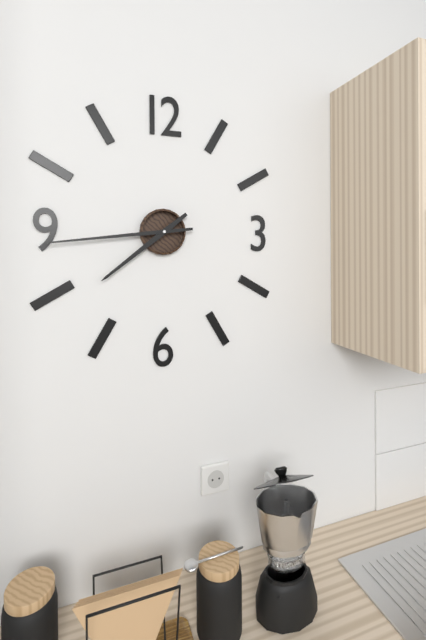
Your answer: **7:44**
